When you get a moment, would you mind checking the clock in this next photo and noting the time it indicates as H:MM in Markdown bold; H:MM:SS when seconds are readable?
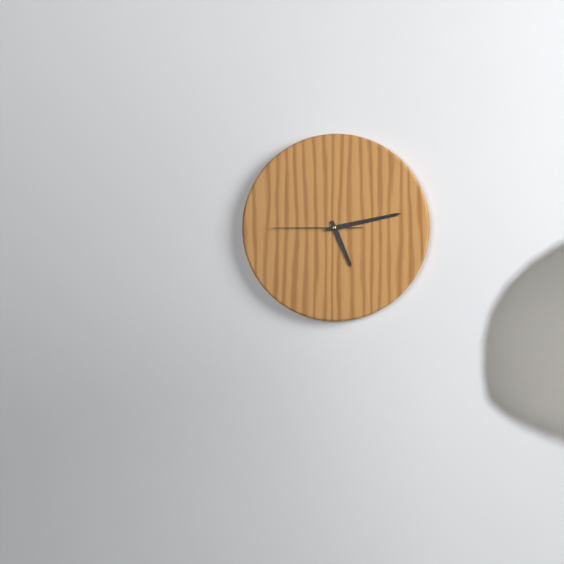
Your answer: **5:13:45**
